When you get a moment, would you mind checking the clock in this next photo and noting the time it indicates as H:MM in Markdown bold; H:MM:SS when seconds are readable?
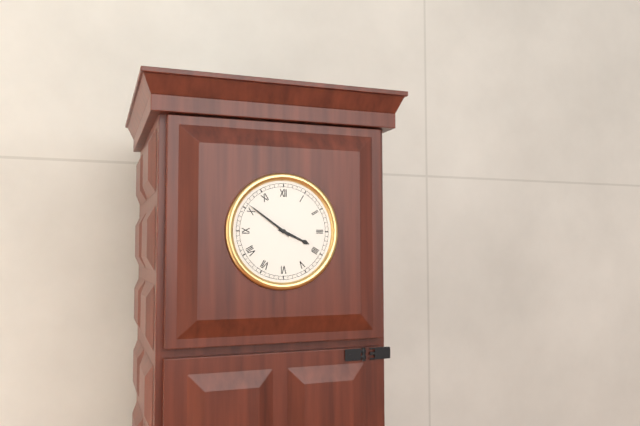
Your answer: **3:51**
